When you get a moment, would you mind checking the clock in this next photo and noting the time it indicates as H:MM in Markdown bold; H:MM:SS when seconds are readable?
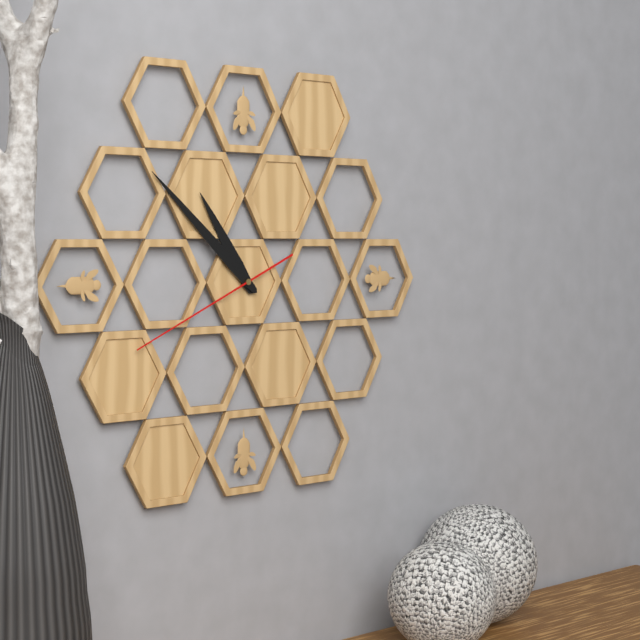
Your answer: **10:52:41**
